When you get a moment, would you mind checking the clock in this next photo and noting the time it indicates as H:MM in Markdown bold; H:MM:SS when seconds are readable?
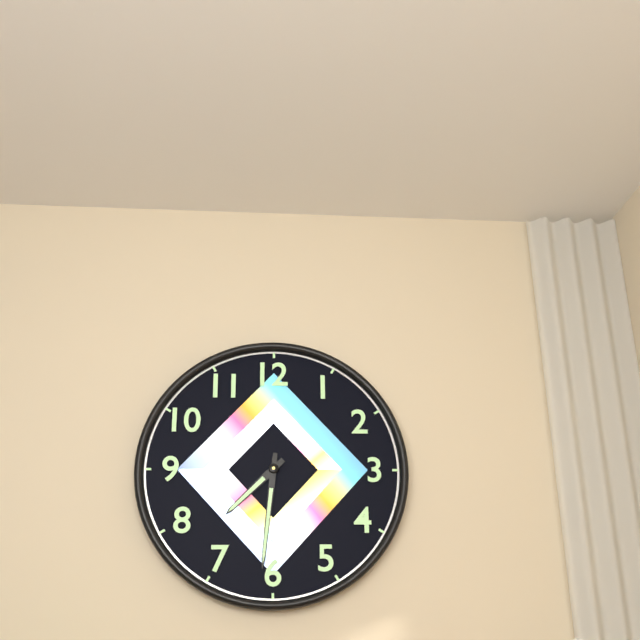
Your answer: **7:31**
